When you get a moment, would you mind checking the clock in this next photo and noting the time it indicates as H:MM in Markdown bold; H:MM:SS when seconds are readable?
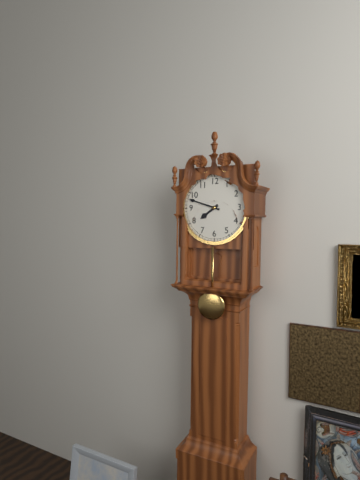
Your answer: **7:48**
